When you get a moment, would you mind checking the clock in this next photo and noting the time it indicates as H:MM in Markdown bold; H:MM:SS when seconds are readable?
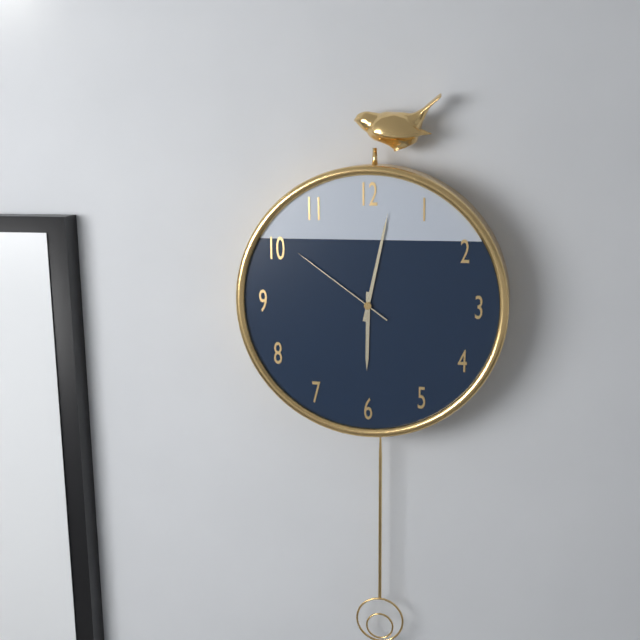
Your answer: **6:02:51**
